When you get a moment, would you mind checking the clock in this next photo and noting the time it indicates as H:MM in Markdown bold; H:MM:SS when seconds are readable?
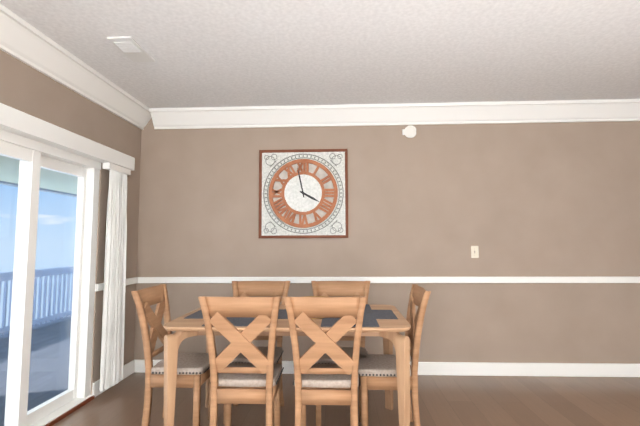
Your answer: **3:58**
